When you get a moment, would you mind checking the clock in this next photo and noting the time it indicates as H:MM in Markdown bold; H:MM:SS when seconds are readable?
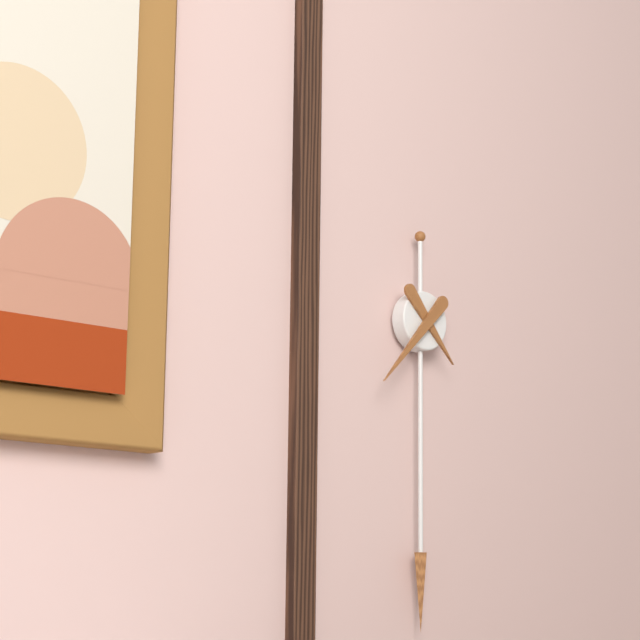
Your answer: **4:37**
